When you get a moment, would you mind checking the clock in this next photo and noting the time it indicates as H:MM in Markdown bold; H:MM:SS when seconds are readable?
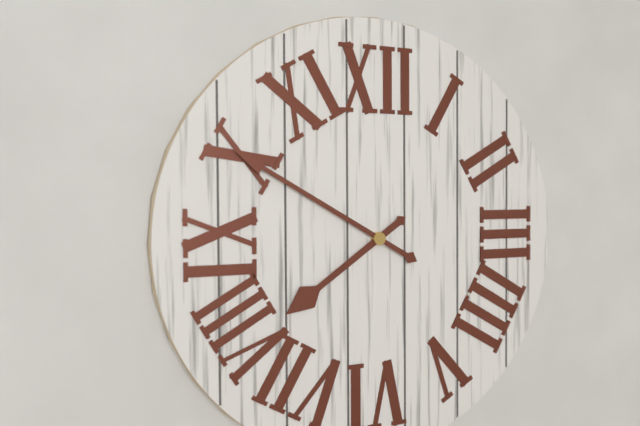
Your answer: **7:50**
